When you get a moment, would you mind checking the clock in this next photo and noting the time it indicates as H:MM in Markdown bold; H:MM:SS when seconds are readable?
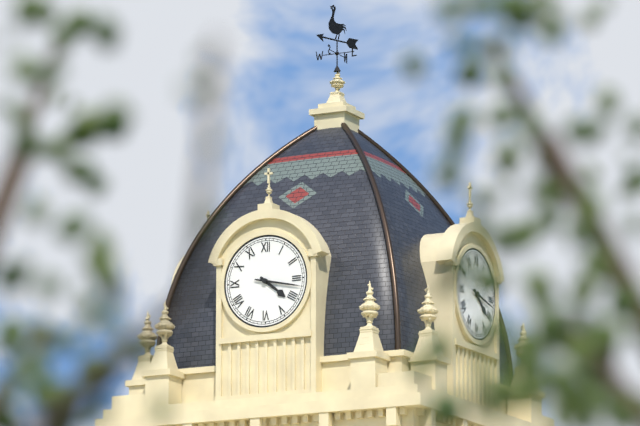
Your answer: **4:17**
